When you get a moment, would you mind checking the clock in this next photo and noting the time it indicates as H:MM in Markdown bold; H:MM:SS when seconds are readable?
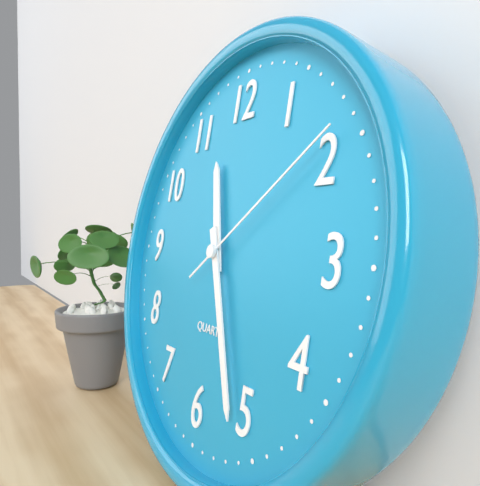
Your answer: **11:26:09**
